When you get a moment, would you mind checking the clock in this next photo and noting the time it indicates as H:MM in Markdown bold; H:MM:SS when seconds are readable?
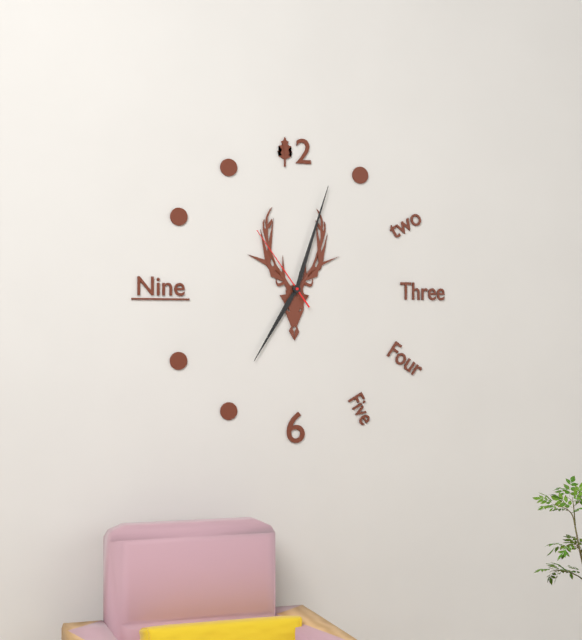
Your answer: **7:03:54**
